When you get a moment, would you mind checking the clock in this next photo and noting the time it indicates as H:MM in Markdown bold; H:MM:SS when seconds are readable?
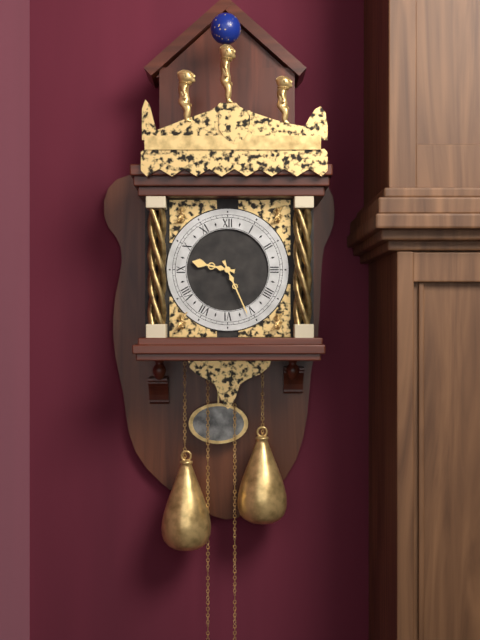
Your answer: **9:26**
